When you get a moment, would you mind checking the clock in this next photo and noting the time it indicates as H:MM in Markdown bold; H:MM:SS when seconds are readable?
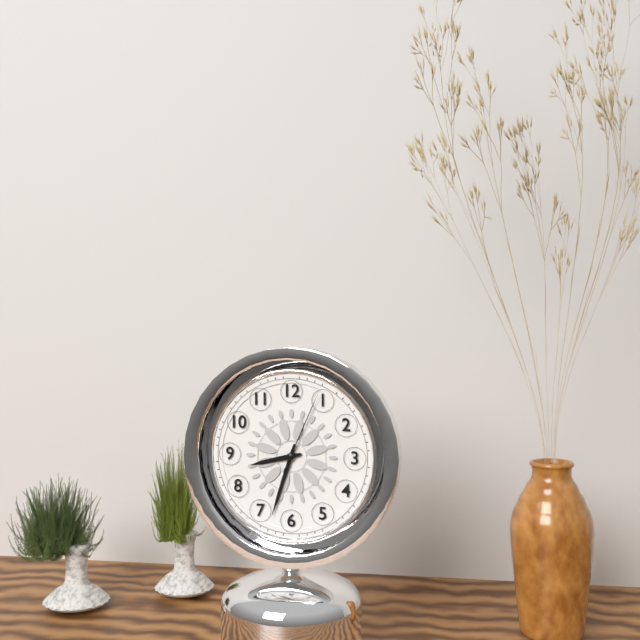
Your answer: **8:33:04**
